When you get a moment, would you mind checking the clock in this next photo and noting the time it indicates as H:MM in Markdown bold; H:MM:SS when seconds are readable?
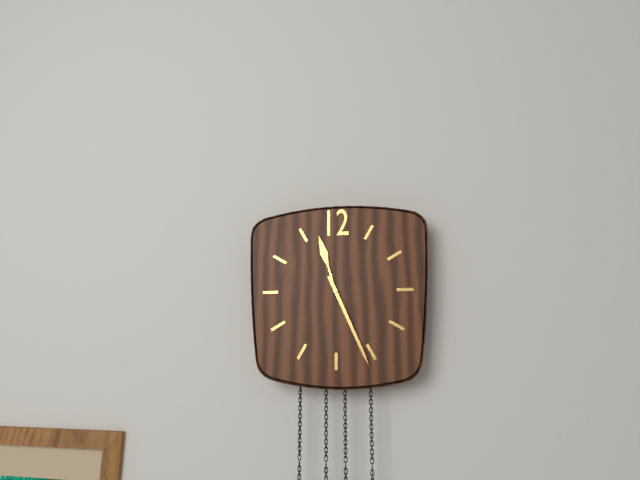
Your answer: **11:26**
